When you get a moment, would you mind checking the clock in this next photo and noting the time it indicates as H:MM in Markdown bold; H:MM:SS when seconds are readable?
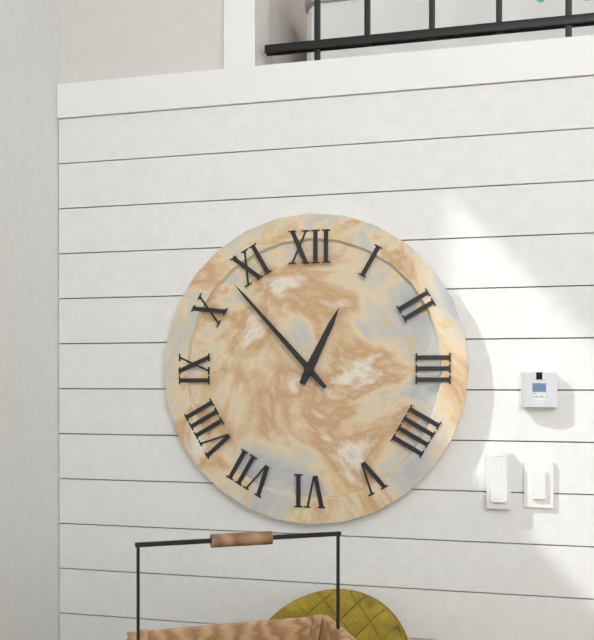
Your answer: **12:53**
